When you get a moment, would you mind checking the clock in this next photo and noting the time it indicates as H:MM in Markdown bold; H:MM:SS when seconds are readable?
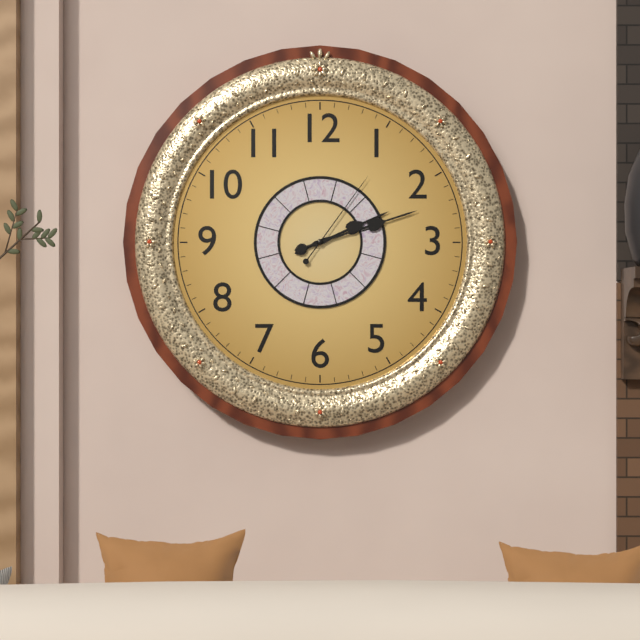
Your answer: **2:12:06**
